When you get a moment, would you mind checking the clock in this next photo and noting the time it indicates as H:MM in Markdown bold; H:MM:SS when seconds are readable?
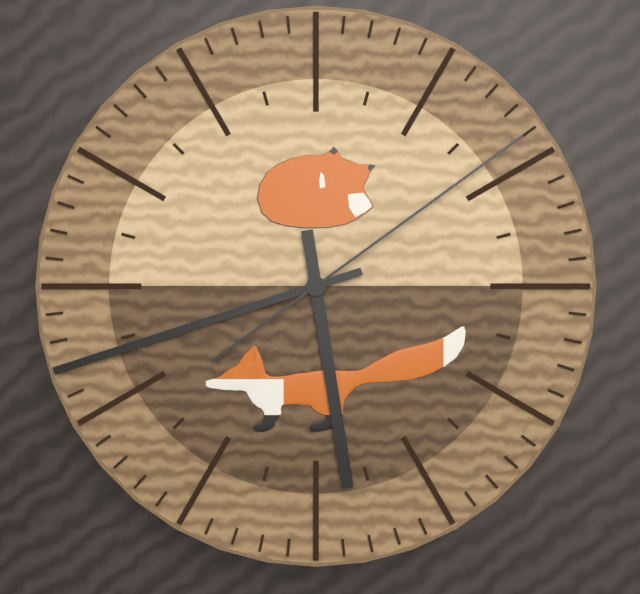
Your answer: **5:42:09**
